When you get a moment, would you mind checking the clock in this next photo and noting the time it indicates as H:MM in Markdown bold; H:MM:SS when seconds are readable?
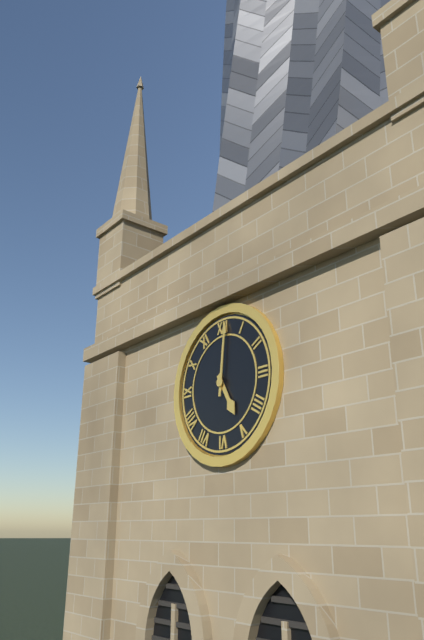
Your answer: **5:01**
